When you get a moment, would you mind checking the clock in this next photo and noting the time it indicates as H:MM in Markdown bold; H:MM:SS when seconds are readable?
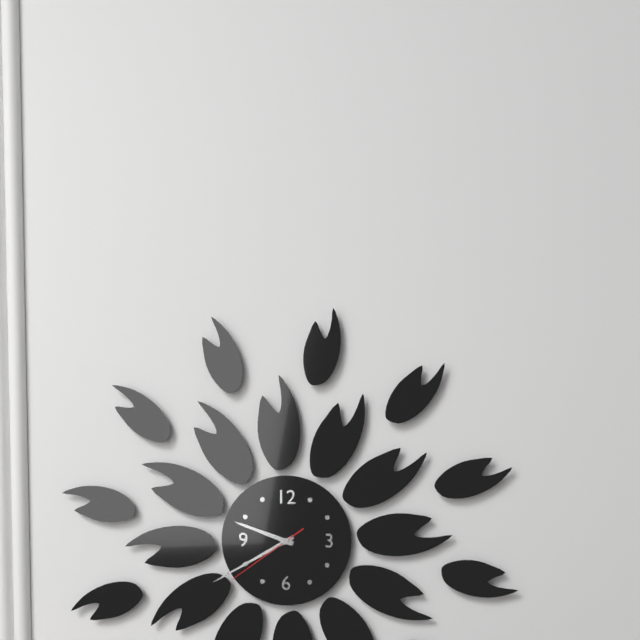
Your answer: **9:40:39**
